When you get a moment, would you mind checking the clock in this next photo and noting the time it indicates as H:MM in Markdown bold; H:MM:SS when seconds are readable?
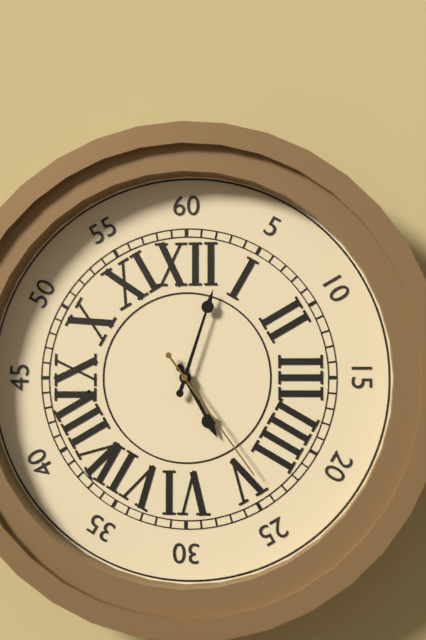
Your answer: **5:03:24**
